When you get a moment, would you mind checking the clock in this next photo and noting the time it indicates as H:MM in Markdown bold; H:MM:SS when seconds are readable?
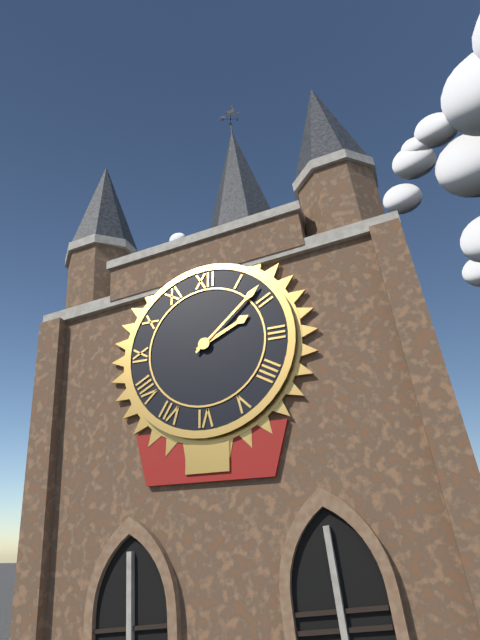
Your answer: **2:08**
